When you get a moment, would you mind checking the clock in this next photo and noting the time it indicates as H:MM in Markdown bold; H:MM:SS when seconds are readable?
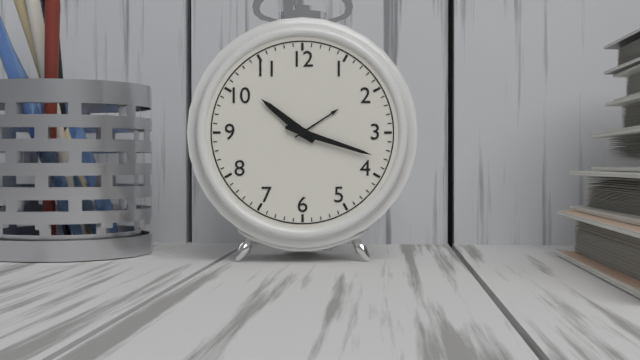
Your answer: **10:18**
